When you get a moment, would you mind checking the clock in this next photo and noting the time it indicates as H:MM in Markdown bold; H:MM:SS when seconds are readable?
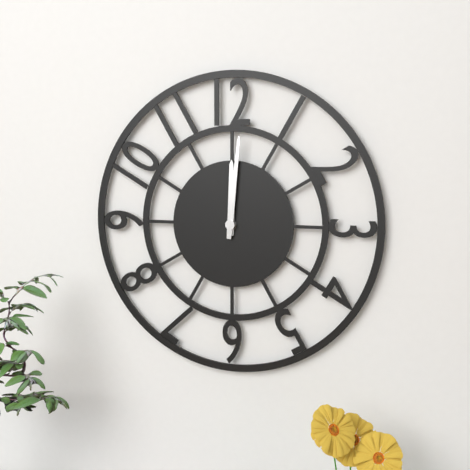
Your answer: **12:01**
